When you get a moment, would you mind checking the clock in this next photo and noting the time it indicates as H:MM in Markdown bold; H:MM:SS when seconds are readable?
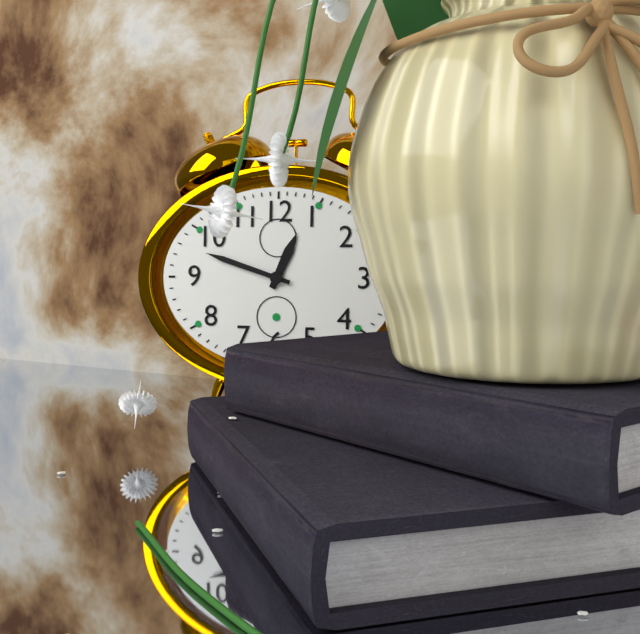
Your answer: **12:48**
